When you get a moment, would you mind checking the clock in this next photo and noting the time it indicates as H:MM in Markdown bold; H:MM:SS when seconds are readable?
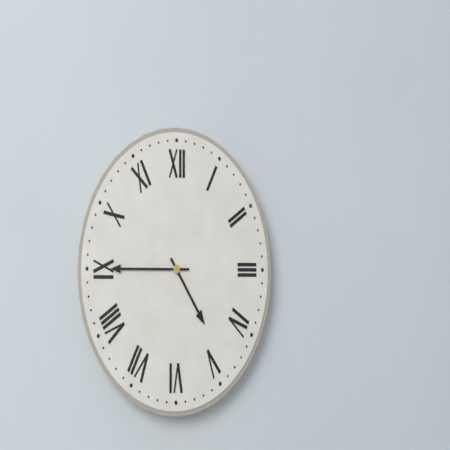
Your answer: **4:45**
